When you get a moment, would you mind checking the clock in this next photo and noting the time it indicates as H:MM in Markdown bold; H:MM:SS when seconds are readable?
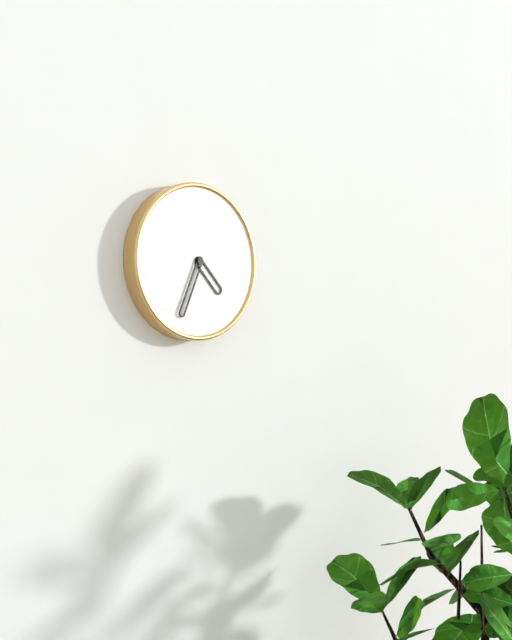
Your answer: **4:34**
